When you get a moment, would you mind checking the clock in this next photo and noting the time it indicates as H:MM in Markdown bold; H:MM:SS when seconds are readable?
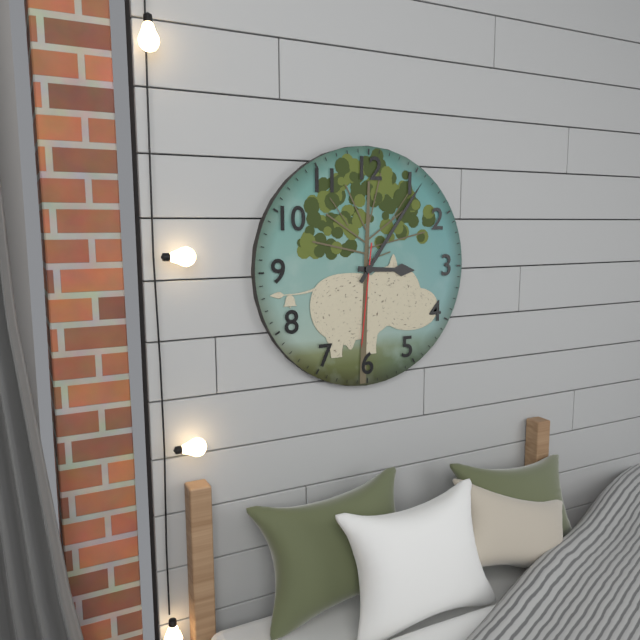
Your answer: **3:06:31**
